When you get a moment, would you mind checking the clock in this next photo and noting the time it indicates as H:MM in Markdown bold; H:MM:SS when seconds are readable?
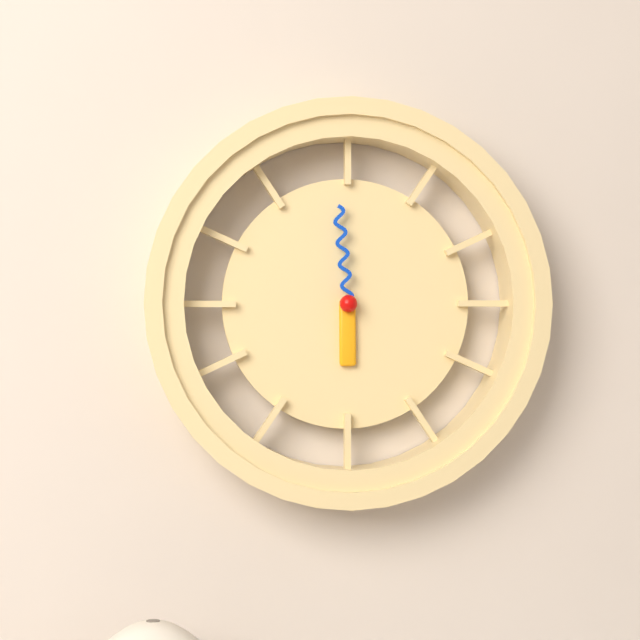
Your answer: **5:59**
